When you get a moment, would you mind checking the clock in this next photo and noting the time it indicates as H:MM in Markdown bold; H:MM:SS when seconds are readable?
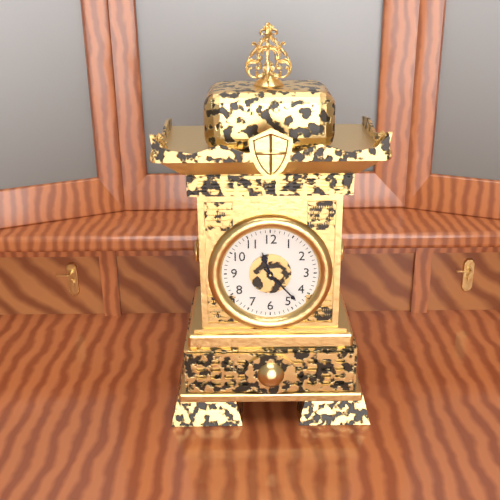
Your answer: **11:23**
